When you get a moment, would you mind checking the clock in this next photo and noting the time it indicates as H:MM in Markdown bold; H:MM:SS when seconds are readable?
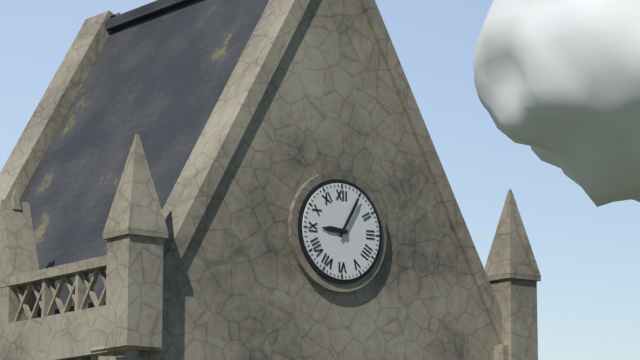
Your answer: **9:05**
